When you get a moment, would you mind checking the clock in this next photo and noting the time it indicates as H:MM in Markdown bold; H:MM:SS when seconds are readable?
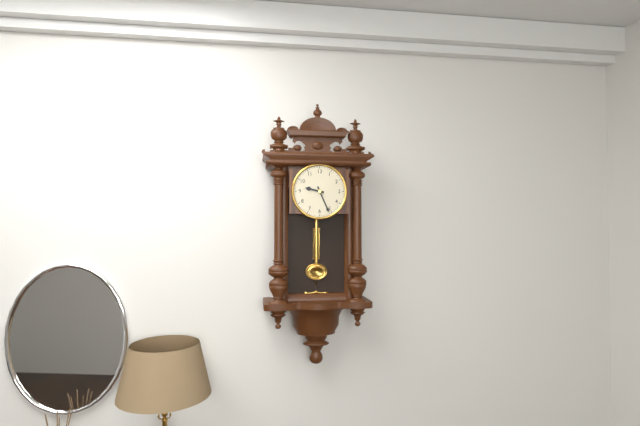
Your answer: **9:26**
